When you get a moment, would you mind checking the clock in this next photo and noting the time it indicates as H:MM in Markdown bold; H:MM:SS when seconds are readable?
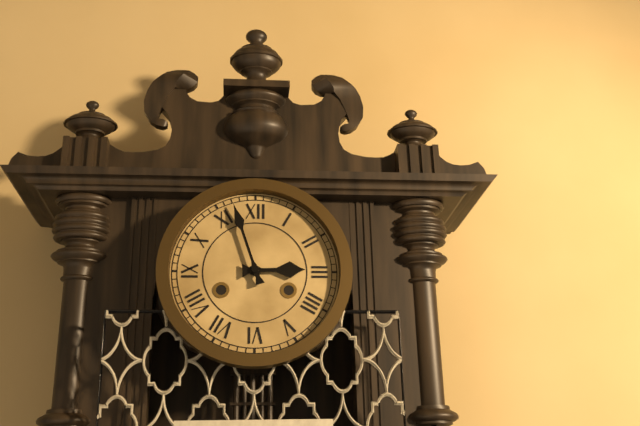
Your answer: **2:57**
